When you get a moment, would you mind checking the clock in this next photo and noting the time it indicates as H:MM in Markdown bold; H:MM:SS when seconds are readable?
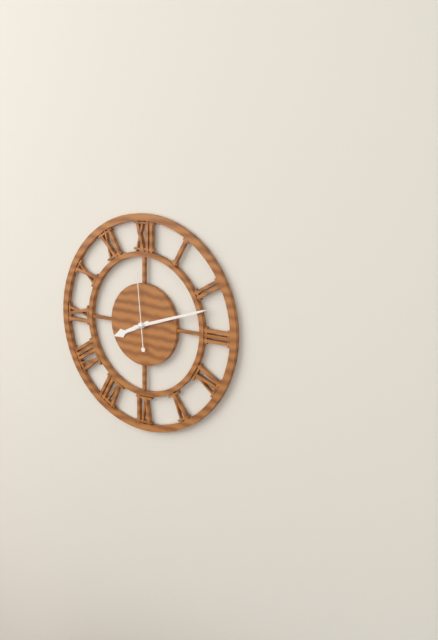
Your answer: **8:12:59**
